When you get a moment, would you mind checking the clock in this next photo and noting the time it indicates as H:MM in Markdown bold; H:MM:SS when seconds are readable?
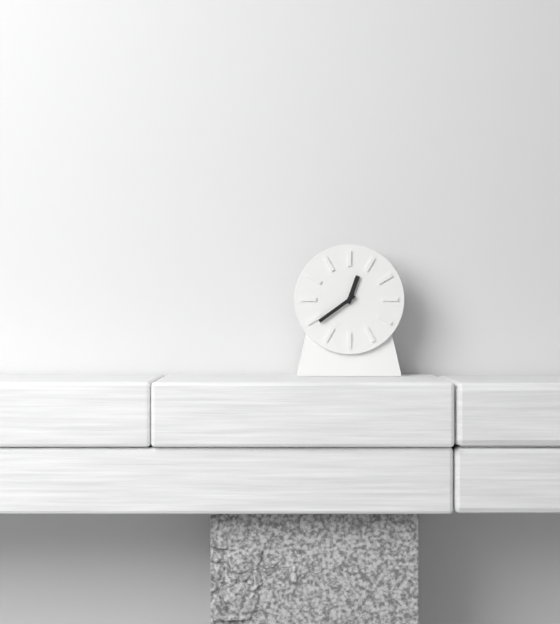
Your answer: **12:39**
